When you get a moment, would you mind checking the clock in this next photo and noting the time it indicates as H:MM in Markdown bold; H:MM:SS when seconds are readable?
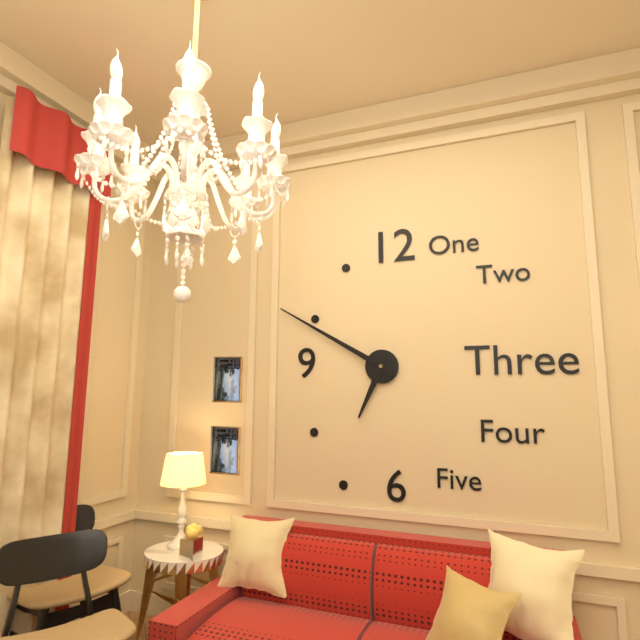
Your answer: **6:50**
